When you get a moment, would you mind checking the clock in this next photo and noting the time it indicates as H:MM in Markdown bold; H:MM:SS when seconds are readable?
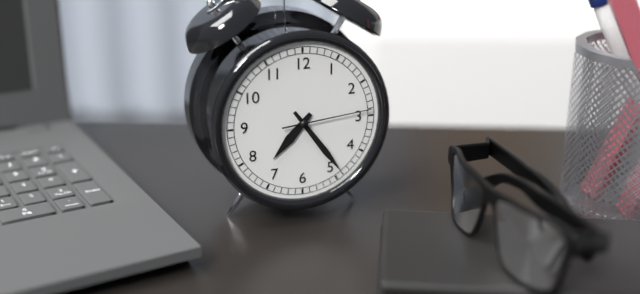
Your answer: **7:24:14**
